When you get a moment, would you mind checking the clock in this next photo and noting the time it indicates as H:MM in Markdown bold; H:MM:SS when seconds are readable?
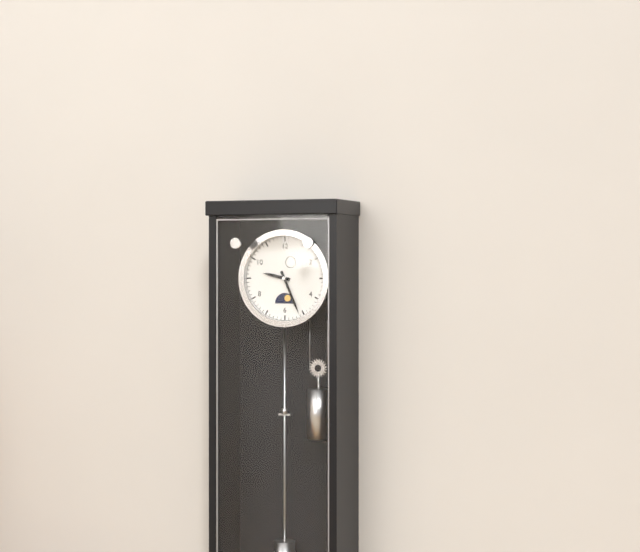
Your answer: **9:26**
